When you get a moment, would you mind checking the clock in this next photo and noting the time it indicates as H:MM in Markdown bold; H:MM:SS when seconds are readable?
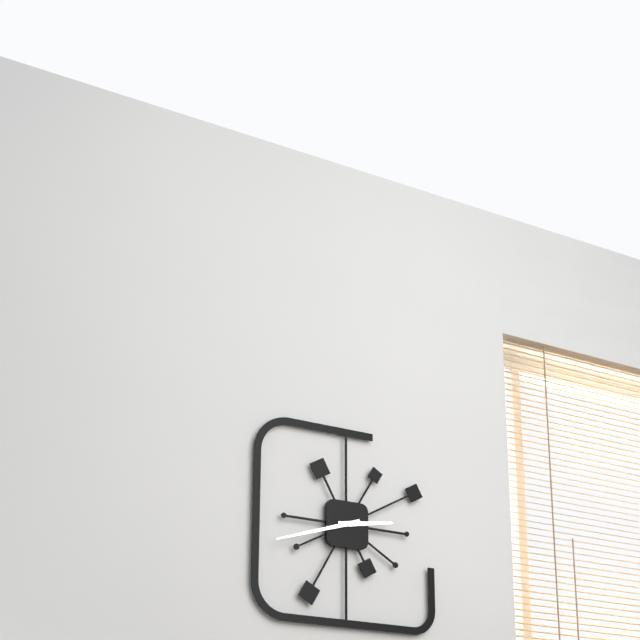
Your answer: **2:42**
